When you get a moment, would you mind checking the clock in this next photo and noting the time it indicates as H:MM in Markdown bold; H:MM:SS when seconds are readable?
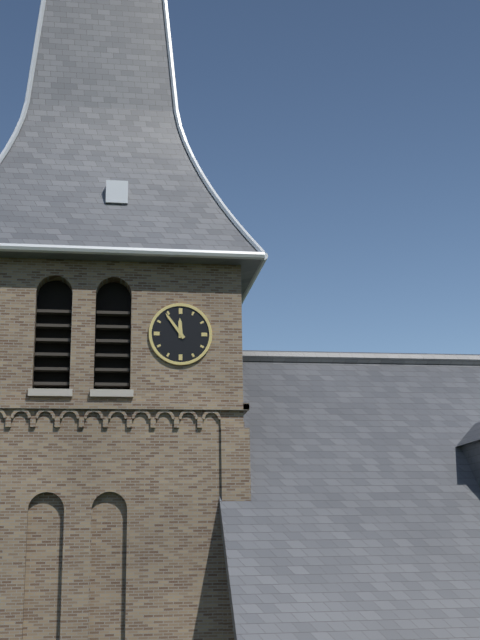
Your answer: **11:54**
